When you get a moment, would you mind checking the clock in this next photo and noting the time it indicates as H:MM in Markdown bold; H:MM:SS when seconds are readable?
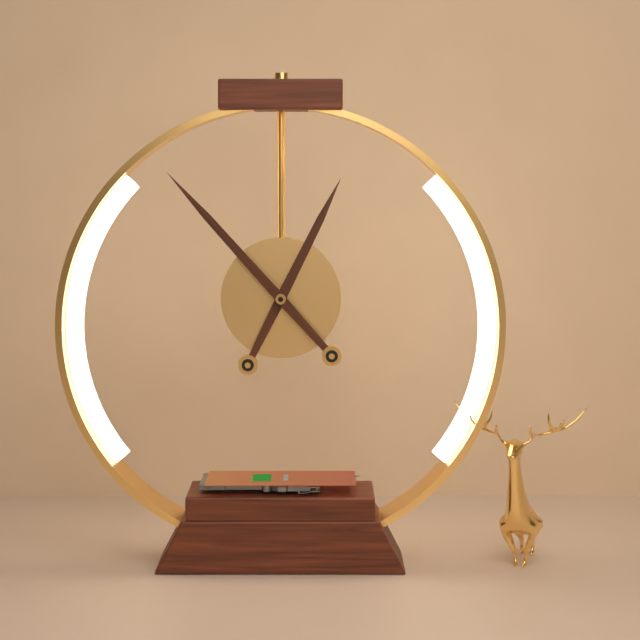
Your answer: **12:53**
